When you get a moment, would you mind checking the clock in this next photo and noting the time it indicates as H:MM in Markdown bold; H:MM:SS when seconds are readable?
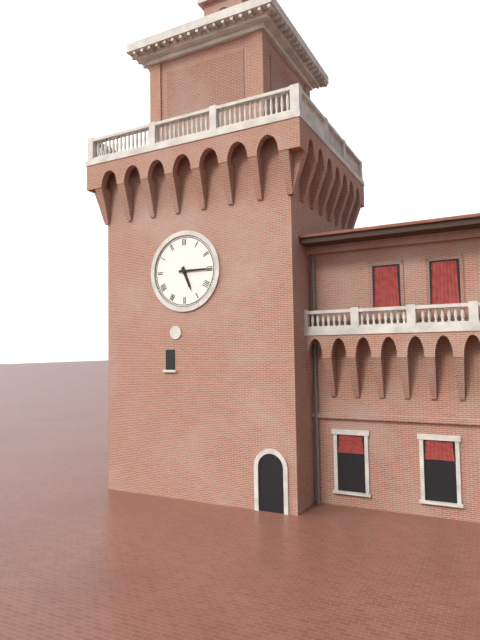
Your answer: **5:15**
